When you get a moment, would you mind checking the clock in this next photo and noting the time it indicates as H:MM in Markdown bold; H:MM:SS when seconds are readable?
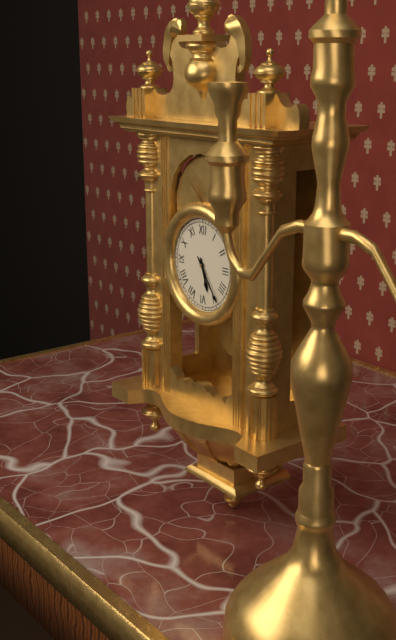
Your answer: **5:24**
